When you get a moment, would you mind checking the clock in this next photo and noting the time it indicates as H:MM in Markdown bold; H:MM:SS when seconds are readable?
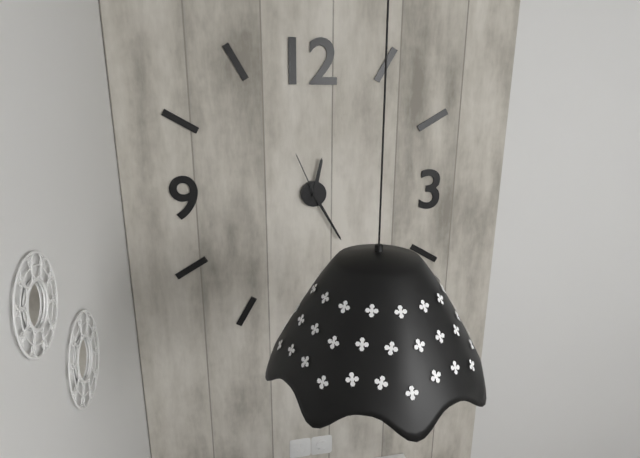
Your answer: **12:25:56**
